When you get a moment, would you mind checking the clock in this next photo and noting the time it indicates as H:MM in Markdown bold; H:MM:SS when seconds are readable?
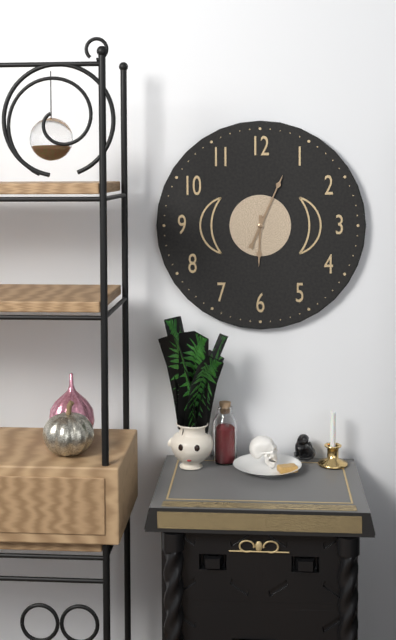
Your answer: **6:04**
